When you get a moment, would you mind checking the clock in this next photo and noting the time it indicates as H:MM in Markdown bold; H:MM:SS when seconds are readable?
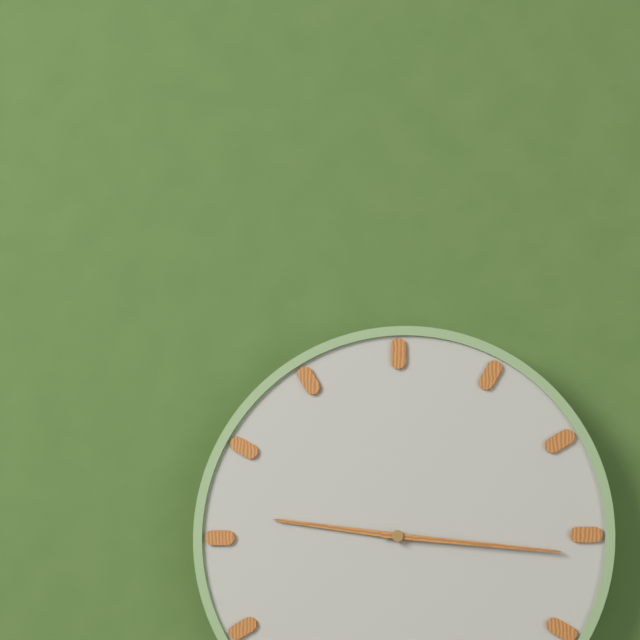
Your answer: **9:16**
